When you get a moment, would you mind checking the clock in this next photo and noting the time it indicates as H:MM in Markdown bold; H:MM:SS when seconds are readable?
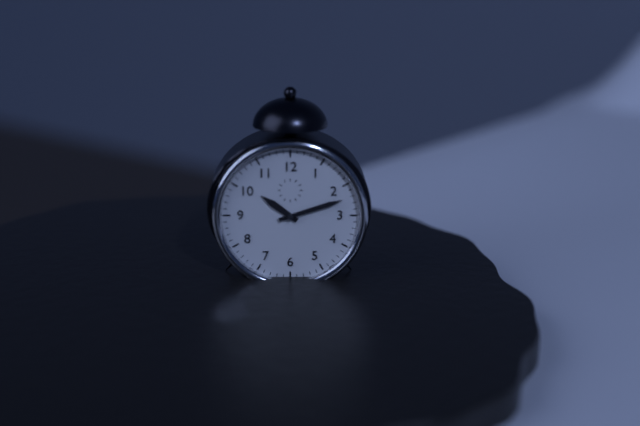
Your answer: **10:12**
